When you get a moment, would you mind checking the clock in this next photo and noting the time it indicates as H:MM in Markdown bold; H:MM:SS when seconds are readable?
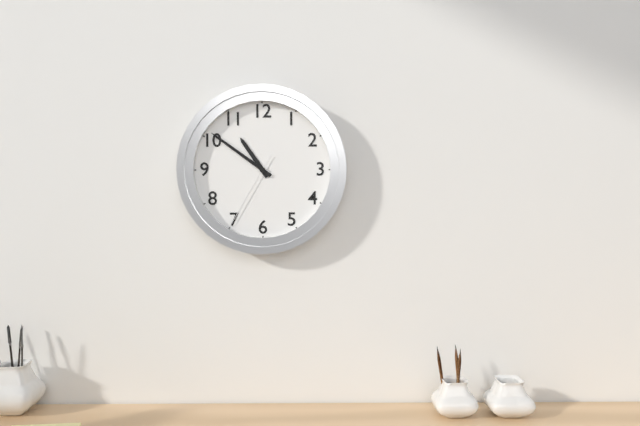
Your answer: **10:51:35**
